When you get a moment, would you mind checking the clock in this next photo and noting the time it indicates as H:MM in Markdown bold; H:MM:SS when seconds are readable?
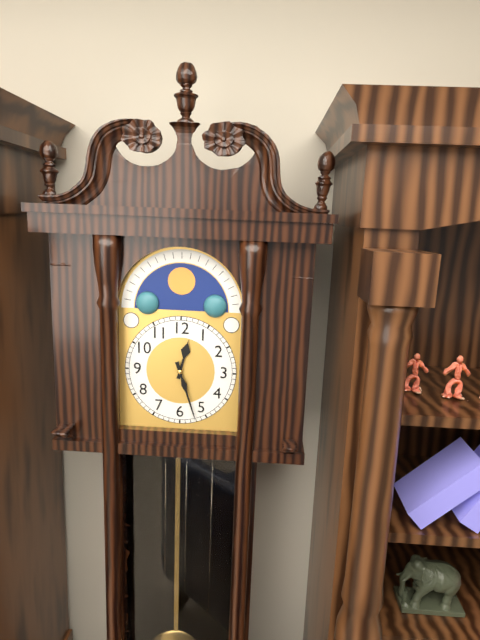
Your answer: **12:27**
